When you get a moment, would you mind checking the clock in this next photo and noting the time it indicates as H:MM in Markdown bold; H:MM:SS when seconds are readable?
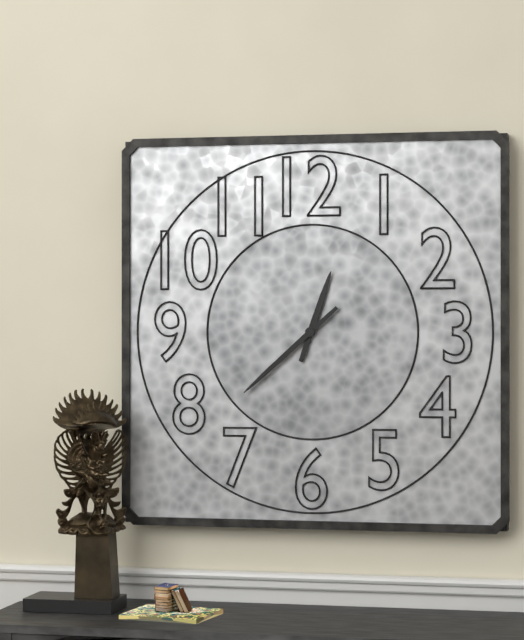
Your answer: **12:38**
